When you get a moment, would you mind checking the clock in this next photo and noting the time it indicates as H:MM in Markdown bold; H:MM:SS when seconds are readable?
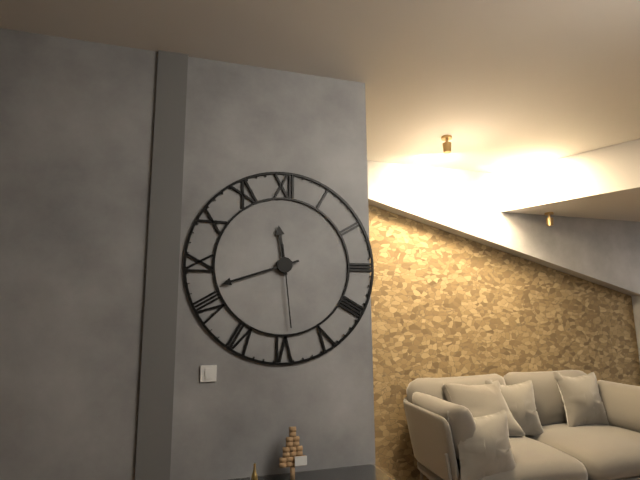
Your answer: **11:42:29**
